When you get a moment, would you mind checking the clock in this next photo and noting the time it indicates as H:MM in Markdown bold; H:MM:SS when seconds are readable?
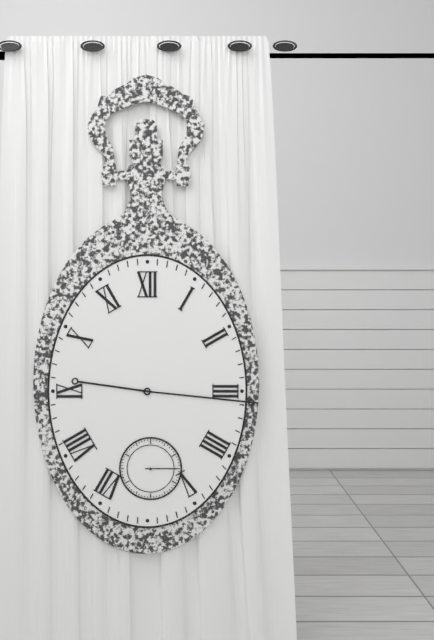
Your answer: **9:16**
